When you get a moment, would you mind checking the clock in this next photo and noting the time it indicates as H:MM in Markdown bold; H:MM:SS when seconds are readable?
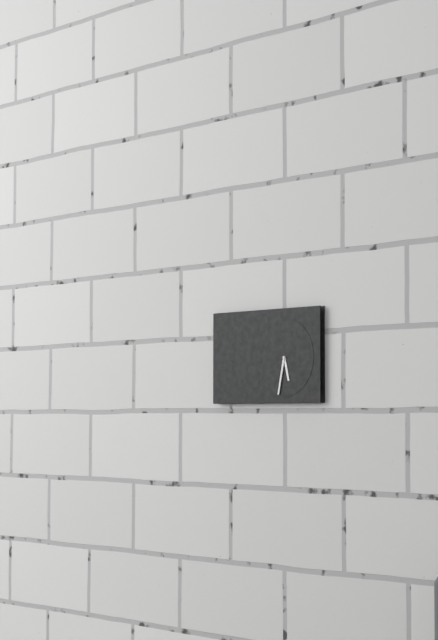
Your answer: **5:32**
